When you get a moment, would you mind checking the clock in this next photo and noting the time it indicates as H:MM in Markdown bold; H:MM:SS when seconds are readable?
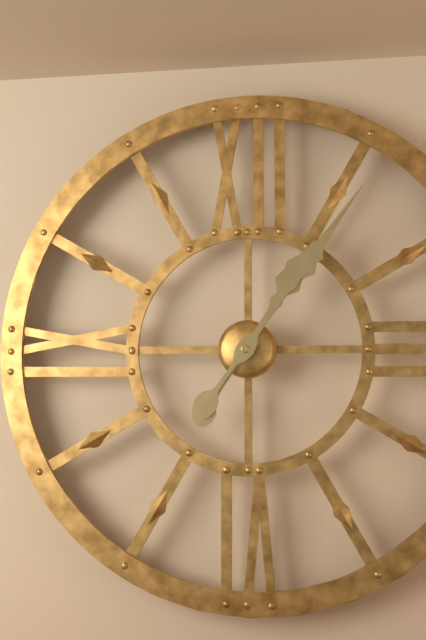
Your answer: **1:06**
